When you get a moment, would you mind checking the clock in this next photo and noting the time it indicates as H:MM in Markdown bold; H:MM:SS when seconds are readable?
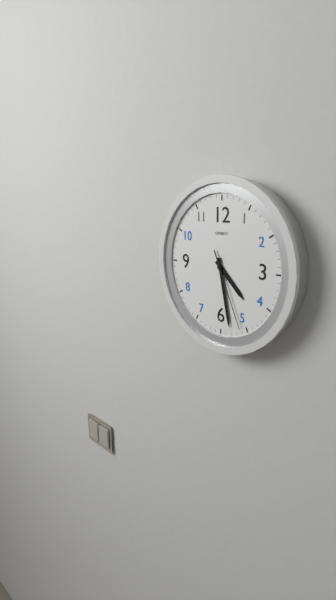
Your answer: **4:28:26**
